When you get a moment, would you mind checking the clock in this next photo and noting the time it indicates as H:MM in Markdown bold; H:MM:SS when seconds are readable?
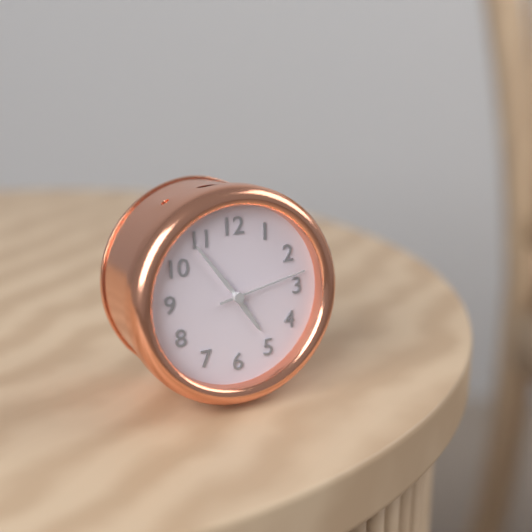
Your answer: **4:54:13**
